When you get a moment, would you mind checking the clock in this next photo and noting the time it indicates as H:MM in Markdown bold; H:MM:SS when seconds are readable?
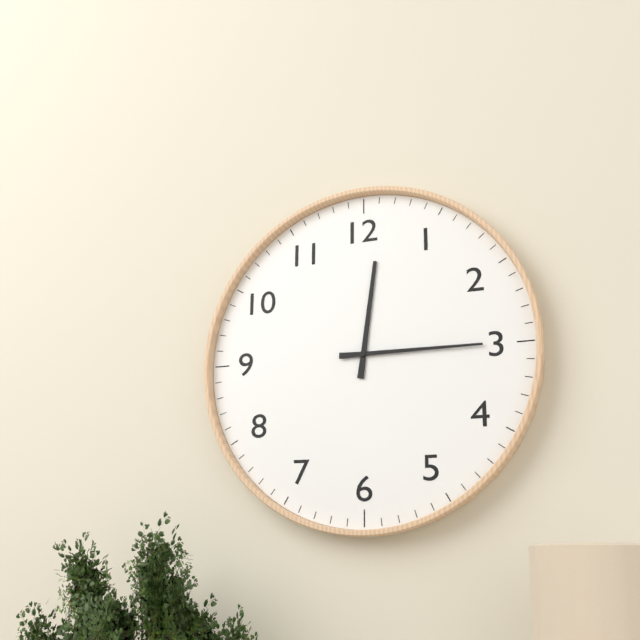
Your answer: **12:15**
